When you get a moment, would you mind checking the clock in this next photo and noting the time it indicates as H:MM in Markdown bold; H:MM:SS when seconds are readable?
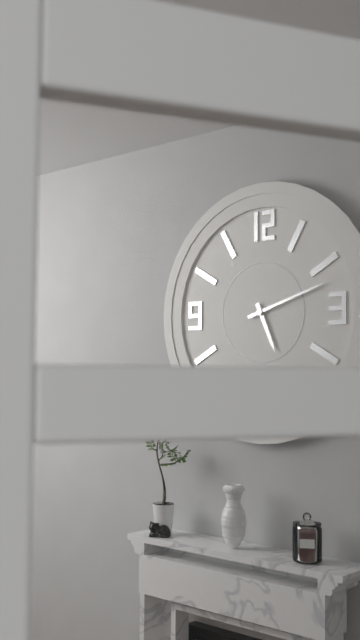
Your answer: **5:12**
